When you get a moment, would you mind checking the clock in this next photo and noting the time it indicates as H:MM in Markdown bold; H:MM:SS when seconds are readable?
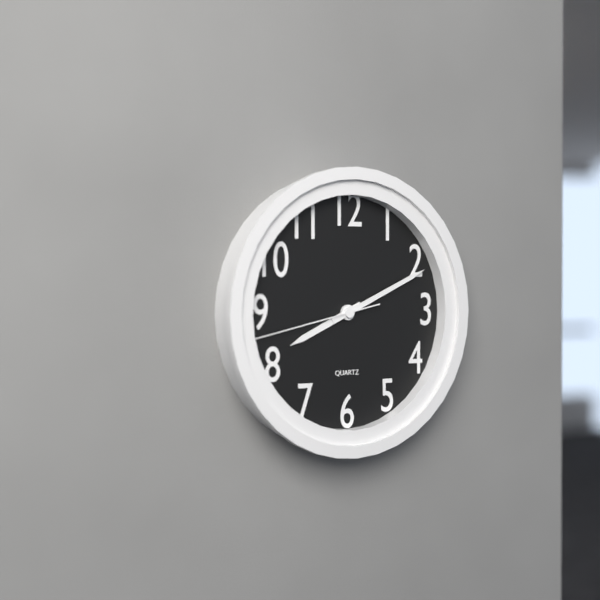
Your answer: **8:11:43**
